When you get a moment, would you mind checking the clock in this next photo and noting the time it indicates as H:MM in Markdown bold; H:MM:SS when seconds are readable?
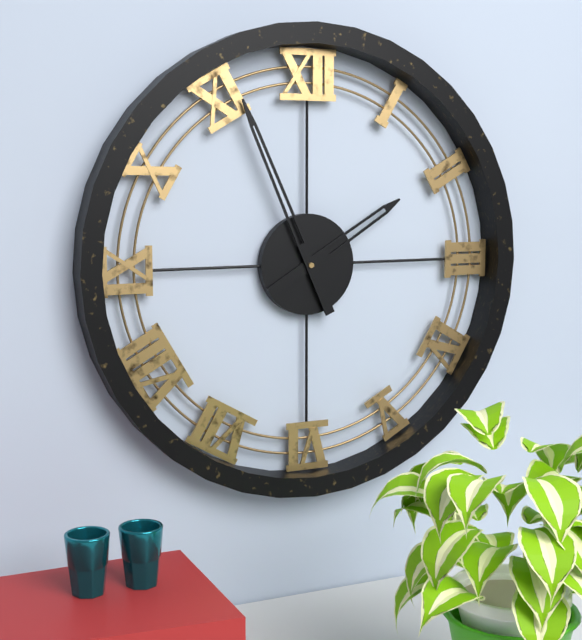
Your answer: **1:56**
